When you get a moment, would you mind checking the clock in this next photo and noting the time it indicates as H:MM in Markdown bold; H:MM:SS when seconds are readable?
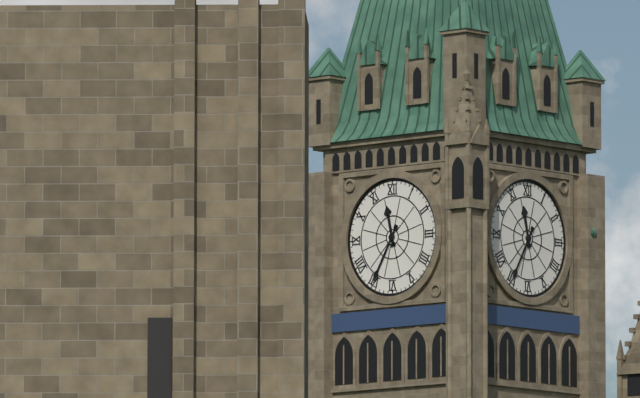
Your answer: **11:35**
